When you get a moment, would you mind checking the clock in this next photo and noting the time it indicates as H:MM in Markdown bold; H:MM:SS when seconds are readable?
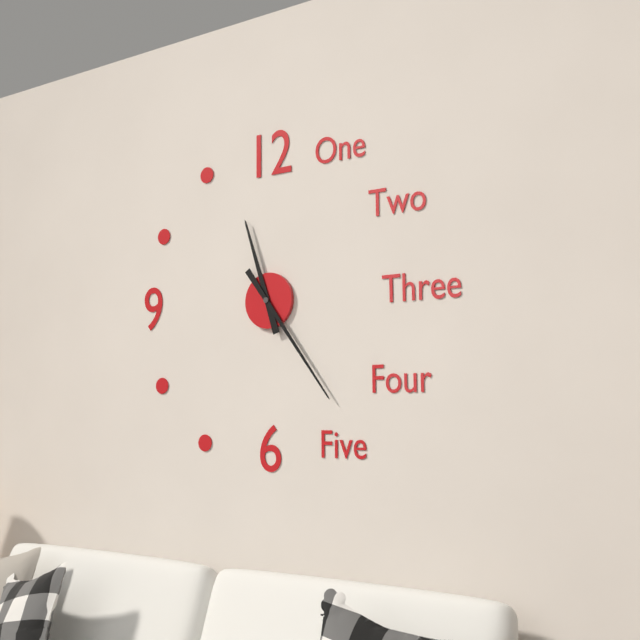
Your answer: **11:24**
